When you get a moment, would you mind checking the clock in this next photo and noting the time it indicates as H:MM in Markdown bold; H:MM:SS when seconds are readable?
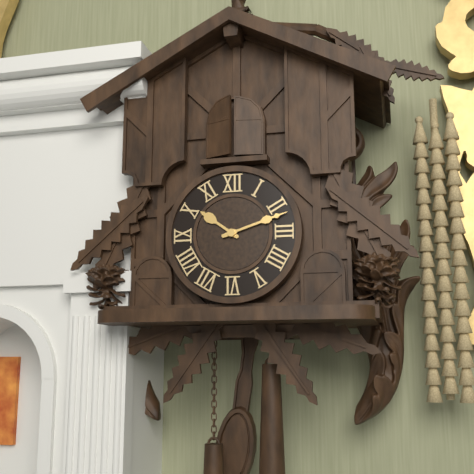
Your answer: **10:12**
